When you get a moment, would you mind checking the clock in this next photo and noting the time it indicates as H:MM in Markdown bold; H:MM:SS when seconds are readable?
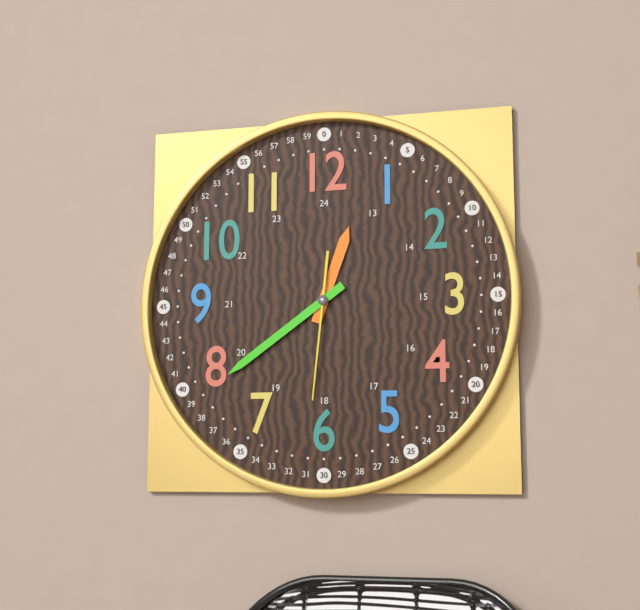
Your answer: **12:39:31**
